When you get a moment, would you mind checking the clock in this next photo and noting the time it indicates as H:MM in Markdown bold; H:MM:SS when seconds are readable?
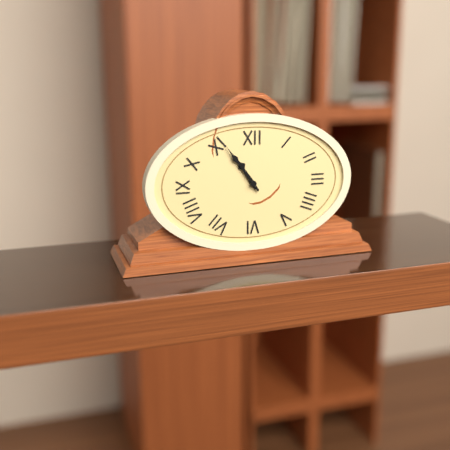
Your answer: **10:54**
